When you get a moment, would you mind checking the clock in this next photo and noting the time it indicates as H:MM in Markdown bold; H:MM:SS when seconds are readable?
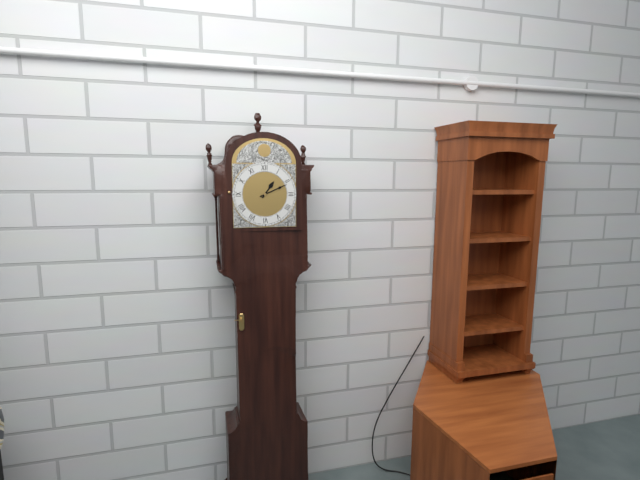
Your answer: **1:11**
